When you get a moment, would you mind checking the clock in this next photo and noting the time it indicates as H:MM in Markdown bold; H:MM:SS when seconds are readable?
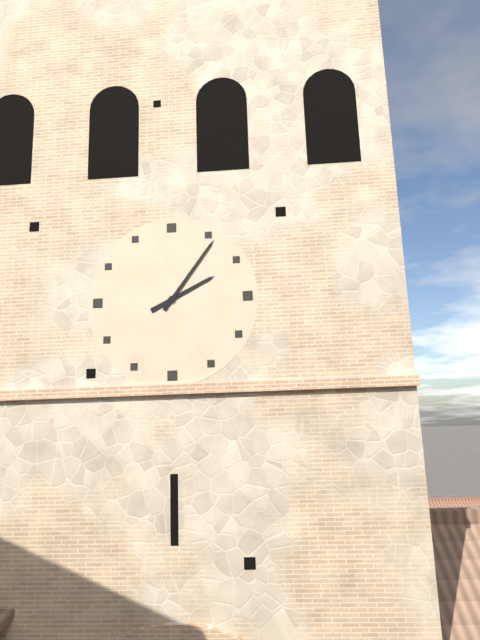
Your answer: **2:06**
